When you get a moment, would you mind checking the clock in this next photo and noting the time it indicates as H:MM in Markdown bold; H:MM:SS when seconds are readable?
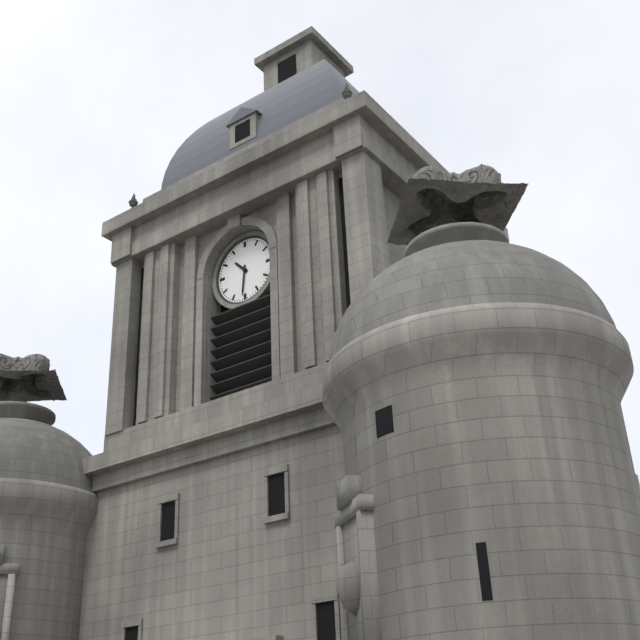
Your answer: **10:31**
